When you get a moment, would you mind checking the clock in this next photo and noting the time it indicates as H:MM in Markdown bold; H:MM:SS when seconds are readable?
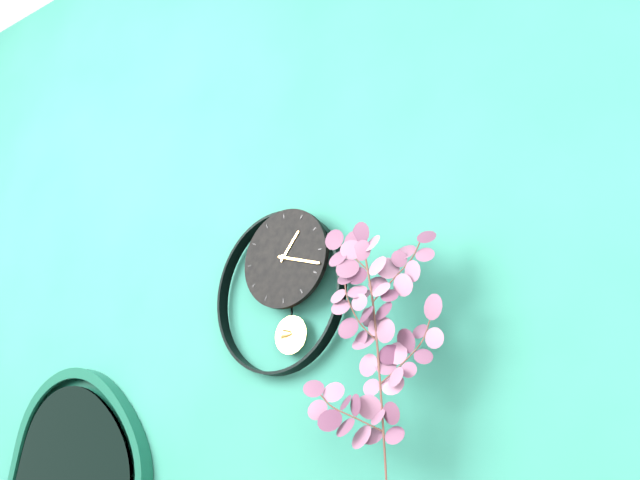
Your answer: **1:18**
